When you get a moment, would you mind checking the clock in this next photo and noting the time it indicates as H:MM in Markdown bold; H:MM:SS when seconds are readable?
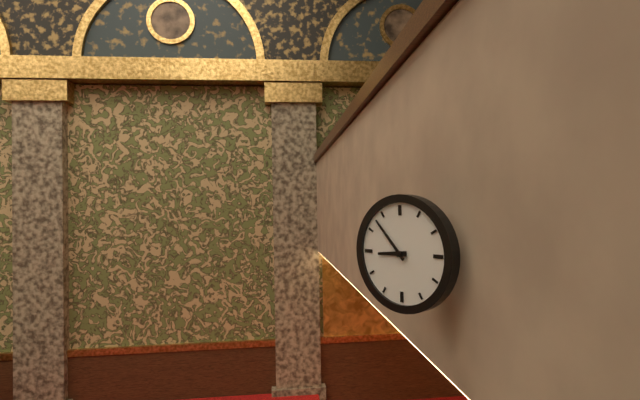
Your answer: **8:53**
